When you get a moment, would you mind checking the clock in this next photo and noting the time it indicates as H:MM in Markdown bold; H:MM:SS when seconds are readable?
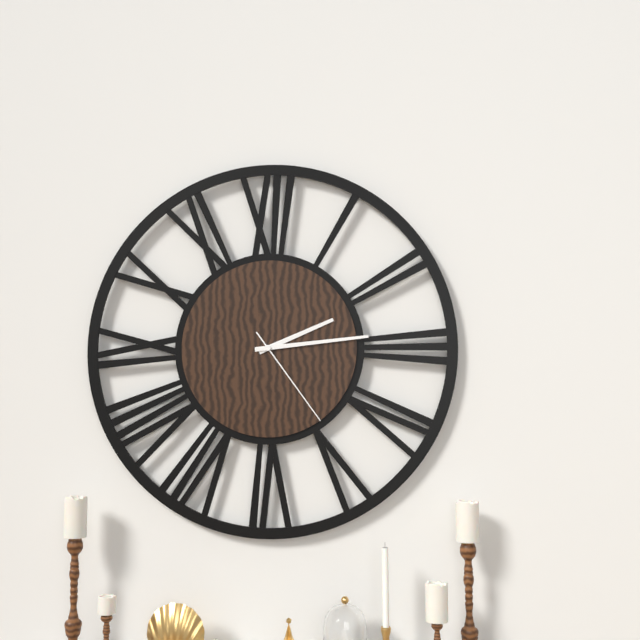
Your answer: **2:14:24**
